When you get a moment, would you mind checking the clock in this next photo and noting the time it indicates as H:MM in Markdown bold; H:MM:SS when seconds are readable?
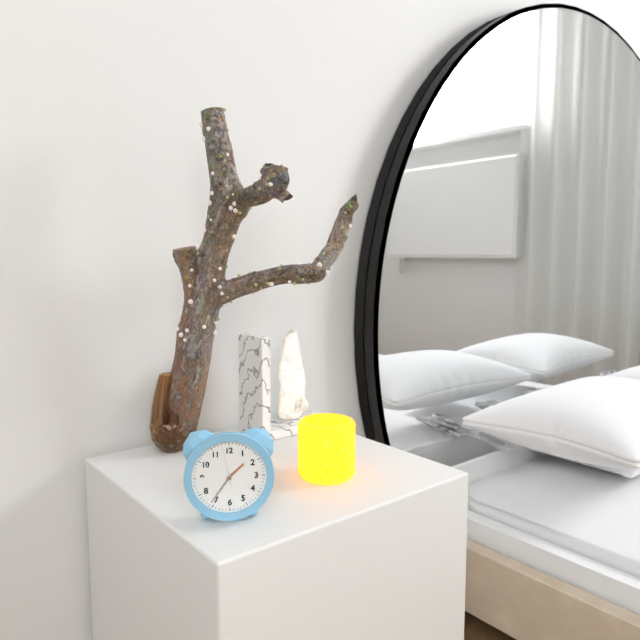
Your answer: **1:36**
